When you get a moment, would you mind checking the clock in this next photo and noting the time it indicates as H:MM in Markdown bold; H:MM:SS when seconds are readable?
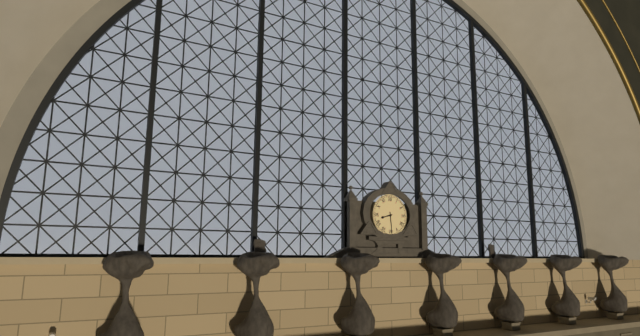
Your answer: **8:29**
